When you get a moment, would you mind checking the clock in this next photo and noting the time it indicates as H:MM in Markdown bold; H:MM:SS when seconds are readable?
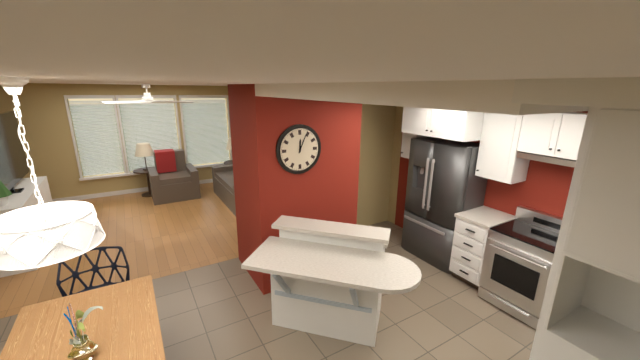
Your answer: **12:04**
